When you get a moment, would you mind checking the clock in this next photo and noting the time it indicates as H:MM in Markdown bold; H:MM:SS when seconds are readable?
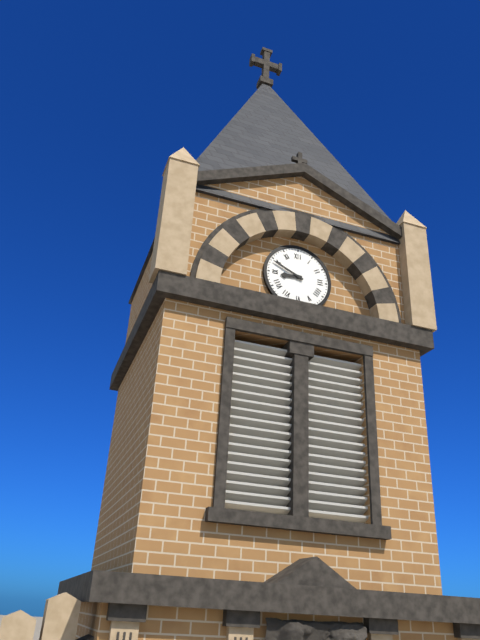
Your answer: **8:49**
